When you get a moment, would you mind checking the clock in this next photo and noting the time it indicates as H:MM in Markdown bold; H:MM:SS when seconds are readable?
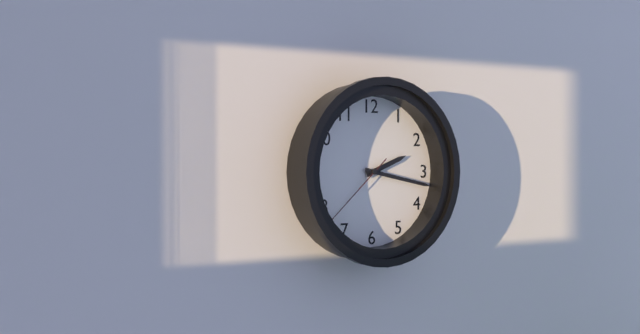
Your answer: **2:17:38**
